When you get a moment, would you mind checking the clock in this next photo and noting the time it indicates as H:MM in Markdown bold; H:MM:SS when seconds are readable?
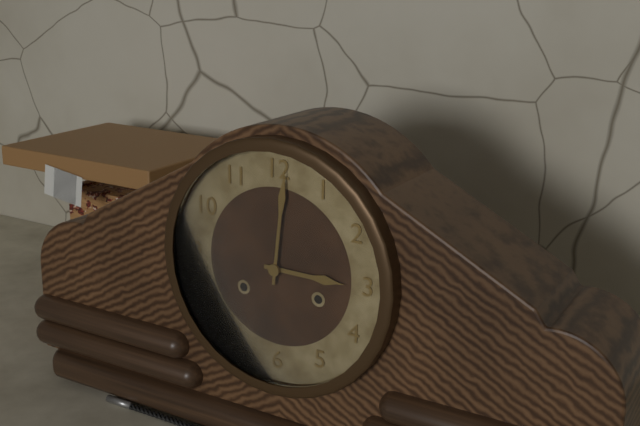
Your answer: **3:01**
